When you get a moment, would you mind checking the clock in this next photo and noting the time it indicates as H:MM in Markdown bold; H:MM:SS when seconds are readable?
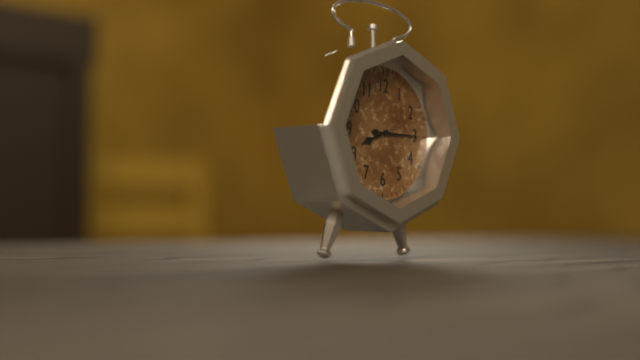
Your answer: **8:15**
